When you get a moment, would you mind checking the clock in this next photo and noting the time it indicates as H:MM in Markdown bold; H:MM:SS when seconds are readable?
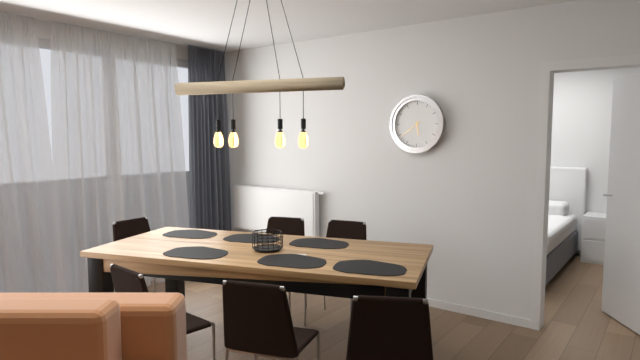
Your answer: **5:39**
